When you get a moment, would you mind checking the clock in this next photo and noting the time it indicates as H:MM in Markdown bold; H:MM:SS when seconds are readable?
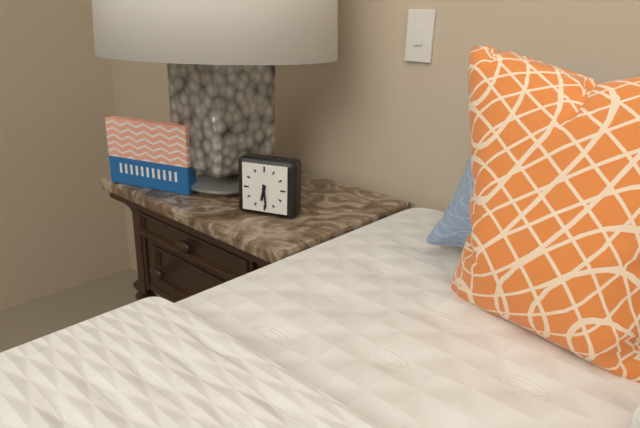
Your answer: **6:29**
